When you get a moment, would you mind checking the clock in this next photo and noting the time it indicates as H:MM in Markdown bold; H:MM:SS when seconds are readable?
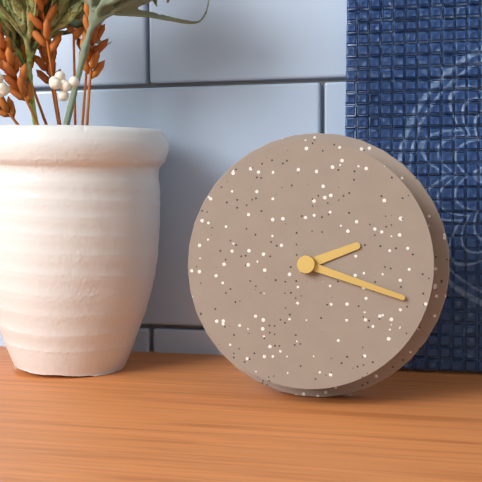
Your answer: **2:18**
